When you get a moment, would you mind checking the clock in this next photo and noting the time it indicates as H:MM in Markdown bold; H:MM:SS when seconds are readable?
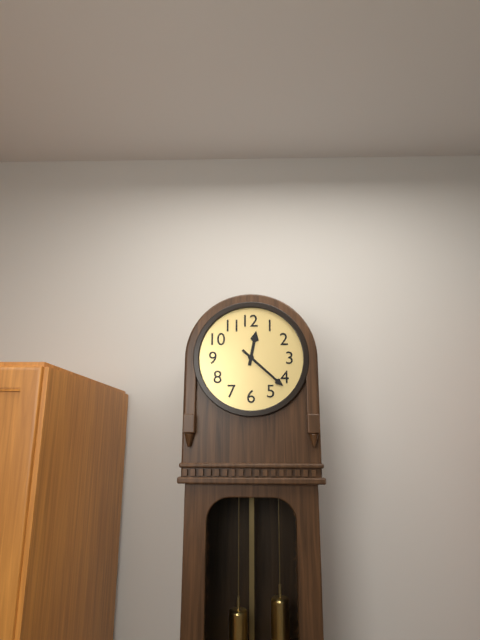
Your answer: **12:22**
